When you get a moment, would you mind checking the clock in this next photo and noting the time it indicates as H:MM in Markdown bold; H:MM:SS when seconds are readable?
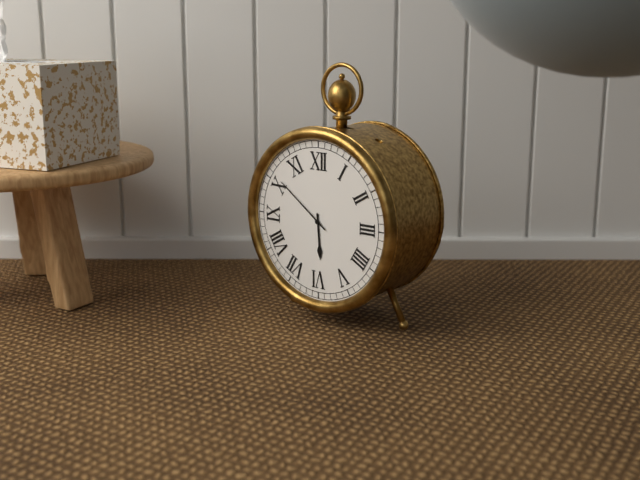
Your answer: **5:51**
